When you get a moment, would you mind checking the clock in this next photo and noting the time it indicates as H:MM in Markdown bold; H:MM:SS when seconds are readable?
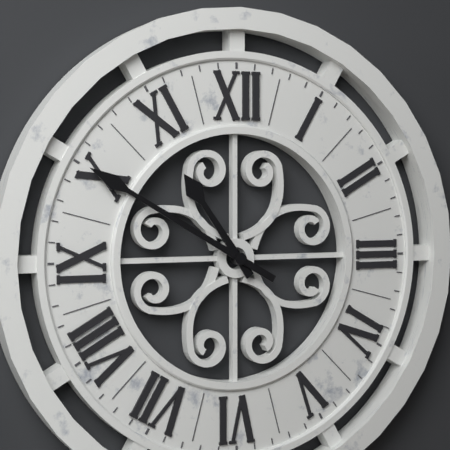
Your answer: **10:50**
